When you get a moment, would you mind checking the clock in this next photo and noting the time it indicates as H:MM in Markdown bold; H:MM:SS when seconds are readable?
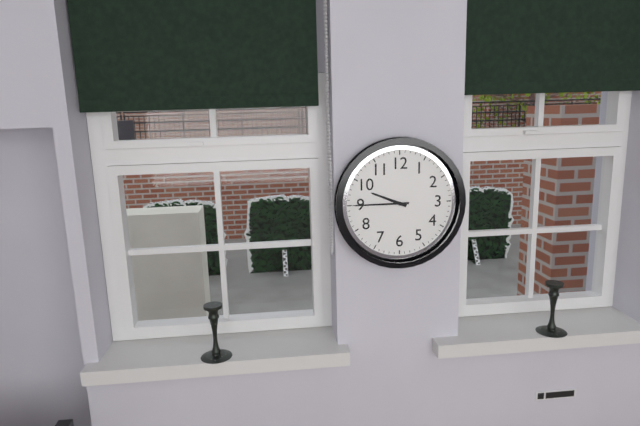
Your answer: **9:45**
